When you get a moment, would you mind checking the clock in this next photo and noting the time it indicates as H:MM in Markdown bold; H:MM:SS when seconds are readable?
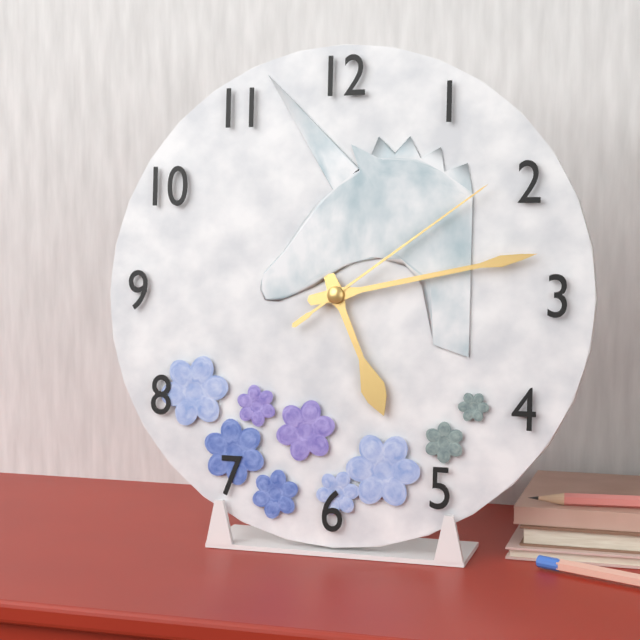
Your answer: **5:13:09**
